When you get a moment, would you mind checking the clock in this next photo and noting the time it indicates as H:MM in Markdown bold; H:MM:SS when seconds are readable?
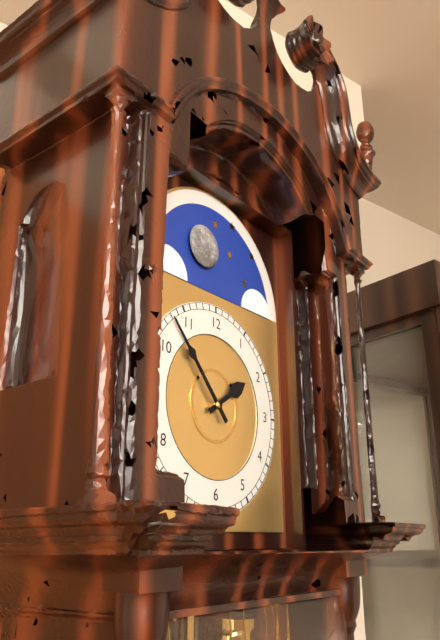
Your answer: **1:53**
